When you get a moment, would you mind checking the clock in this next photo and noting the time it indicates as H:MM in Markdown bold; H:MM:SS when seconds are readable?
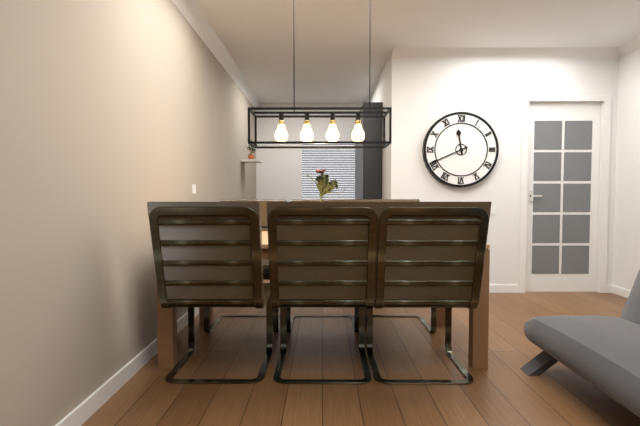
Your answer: **11:41**
